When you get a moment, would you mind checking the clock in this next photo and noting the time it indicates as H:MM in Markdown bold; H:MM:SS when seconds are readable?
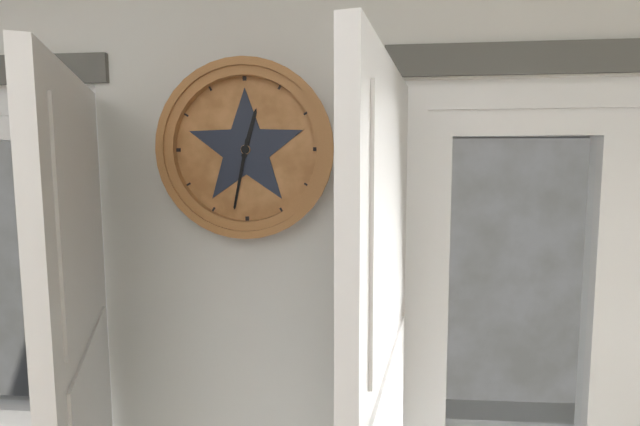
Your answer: **12:32**
